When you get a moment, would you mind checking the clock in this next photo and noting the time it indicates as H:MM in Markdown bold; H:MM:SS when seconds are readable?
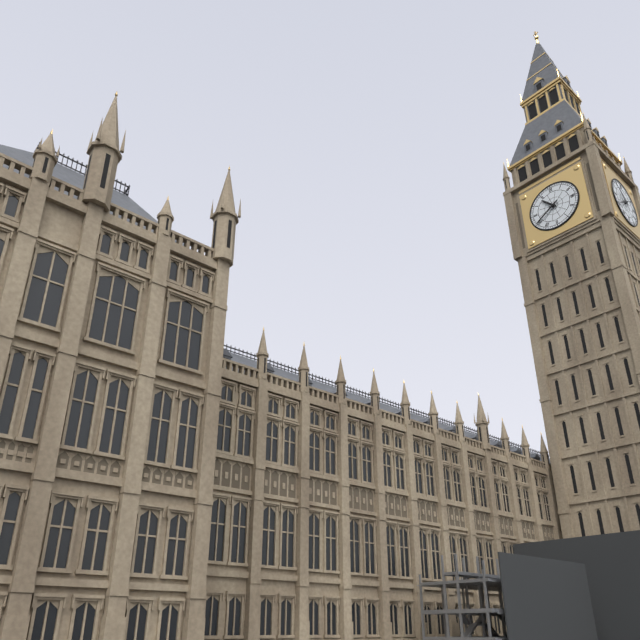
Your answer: **10:40**
